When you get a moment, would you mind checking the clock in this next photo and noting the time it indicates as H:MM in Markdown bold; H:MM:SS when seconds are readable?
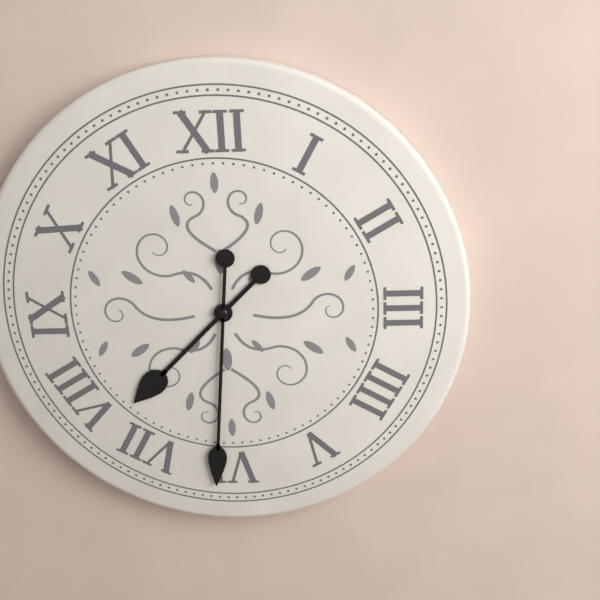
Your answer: **7:31**
